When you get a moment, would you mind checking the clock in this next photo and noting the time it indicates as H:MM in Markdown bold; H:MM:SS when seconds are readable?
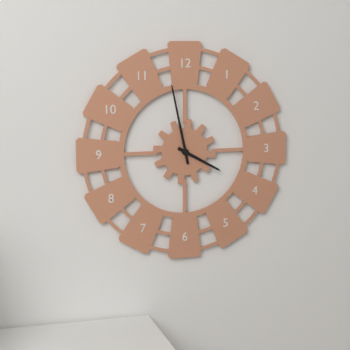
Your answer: **3:58**
